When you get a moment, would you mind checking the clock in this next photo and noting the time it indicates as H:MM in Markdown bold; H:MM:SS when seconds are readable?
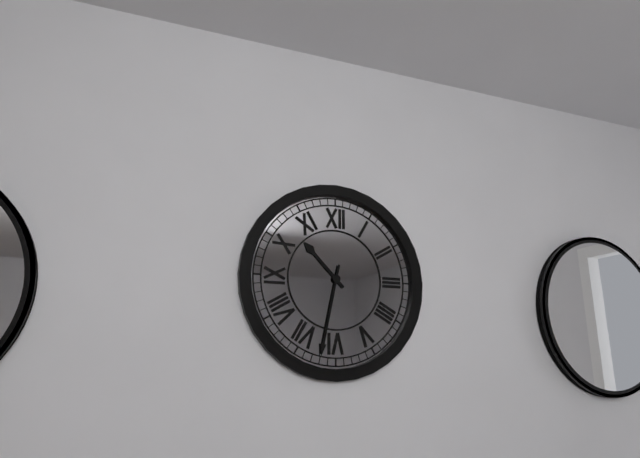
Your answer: **10:32**
